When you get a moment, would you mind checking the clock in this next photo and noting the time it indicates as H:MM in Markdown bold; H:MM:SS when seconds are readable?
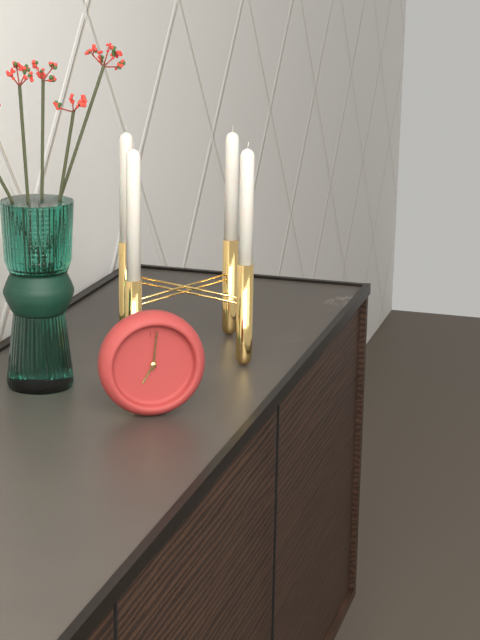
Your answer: **7:01**
